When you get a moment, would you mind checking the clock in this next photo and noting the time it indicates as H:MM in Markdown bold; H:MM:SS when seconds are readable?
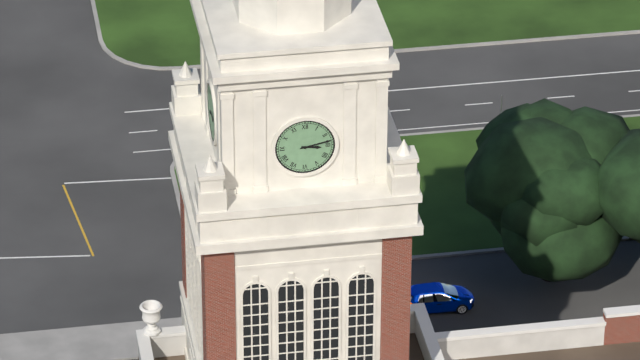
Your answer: **3:13**
